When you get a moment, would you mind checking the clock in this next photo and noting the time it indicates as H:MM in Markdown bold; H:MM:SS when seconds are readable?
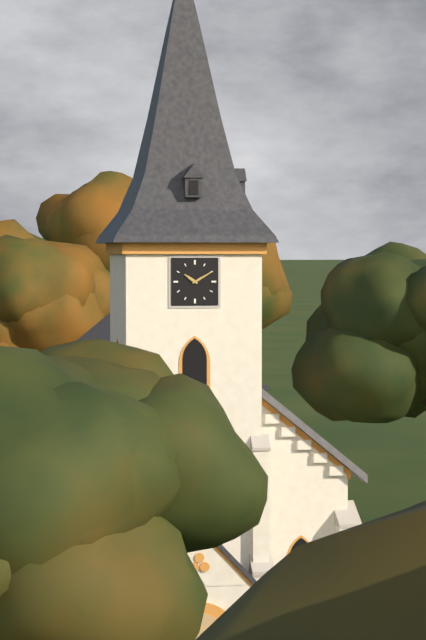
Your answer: **10:10**
